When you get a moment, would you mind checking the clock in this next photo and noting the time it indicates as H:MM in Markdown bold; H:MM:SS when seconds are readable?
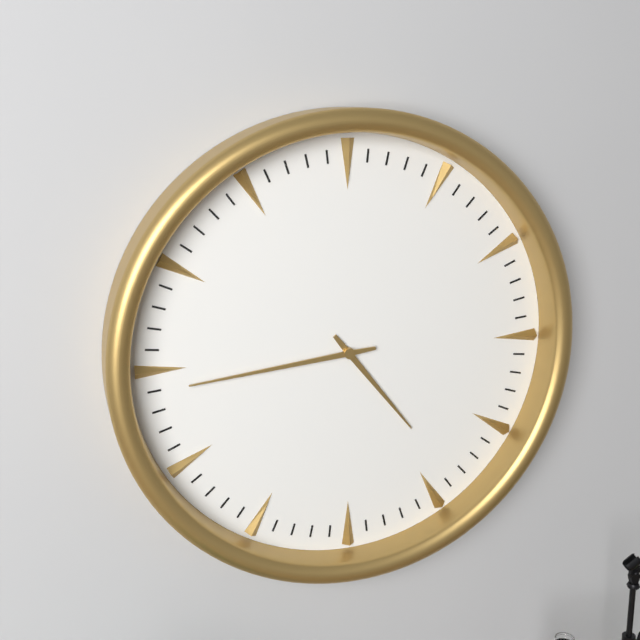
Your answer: **4:44**
